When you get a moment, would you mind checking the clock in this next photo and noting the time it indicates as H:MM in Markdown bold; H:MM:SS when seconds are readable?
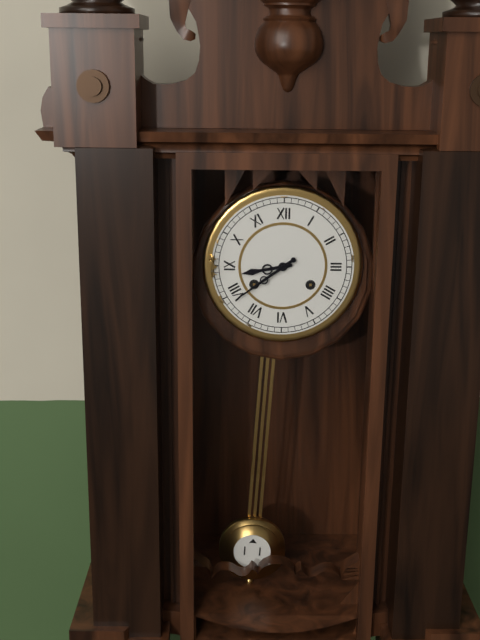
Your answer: **8:39**
